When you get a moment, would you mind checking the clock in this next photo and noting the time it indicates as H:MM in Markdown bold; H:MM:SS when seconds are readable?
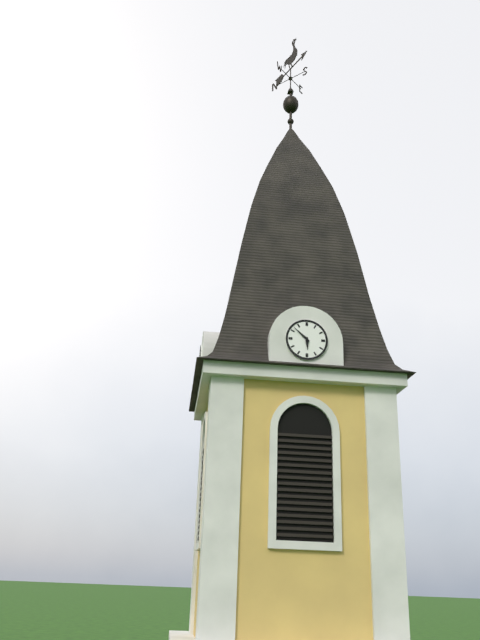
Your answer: **5:52**
